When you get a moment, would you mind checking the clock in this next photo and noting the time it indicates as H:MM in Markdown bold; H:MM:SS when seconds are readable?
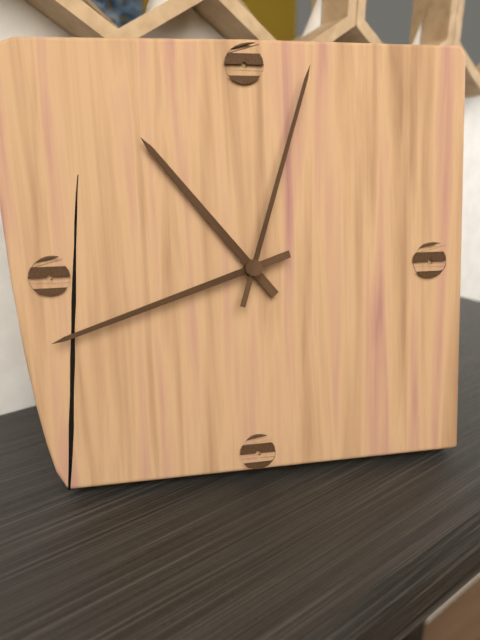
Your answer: **10:42:03**
